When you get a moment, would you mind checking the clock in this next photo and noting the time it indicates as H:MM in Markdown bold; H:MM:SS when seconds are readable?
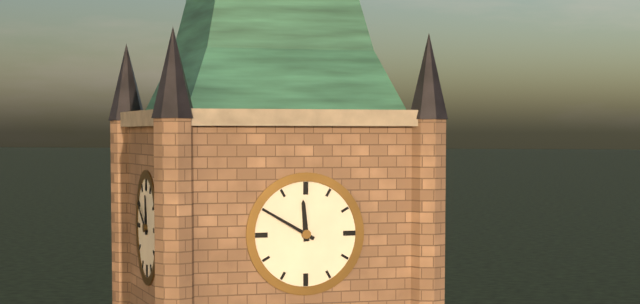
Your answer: **11:50**
